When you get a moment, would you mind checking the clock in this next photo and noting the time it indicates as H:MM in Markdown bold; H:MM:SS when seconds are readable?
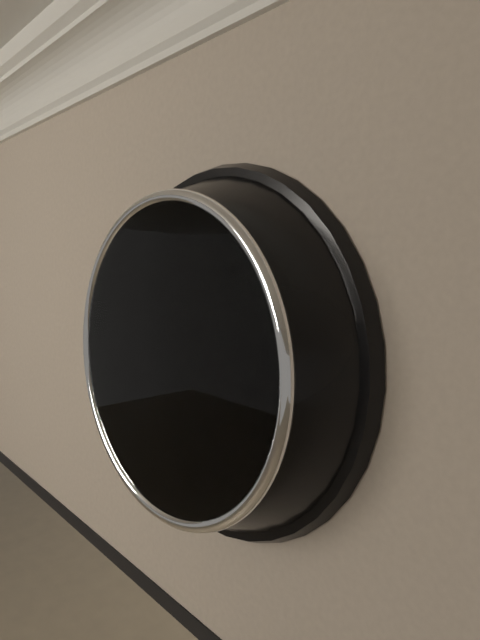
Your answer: **12:14**
